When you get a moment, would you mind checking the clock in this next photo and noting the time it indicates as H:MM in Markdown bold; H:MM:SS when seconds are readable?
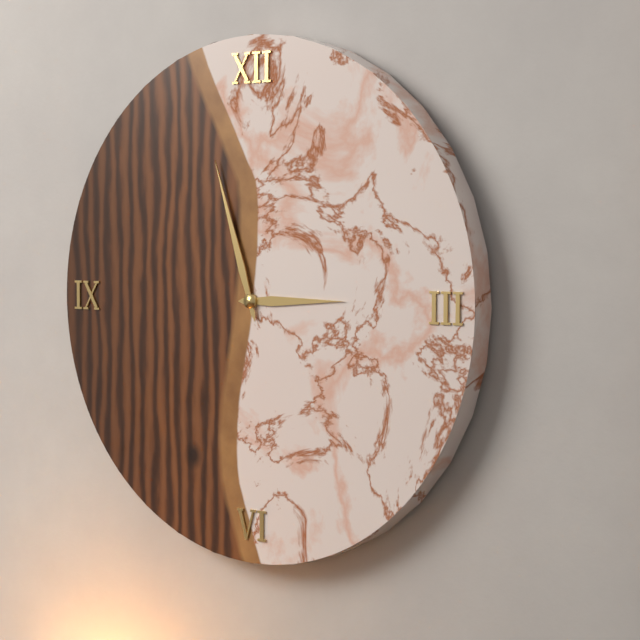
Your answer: **2:57**
